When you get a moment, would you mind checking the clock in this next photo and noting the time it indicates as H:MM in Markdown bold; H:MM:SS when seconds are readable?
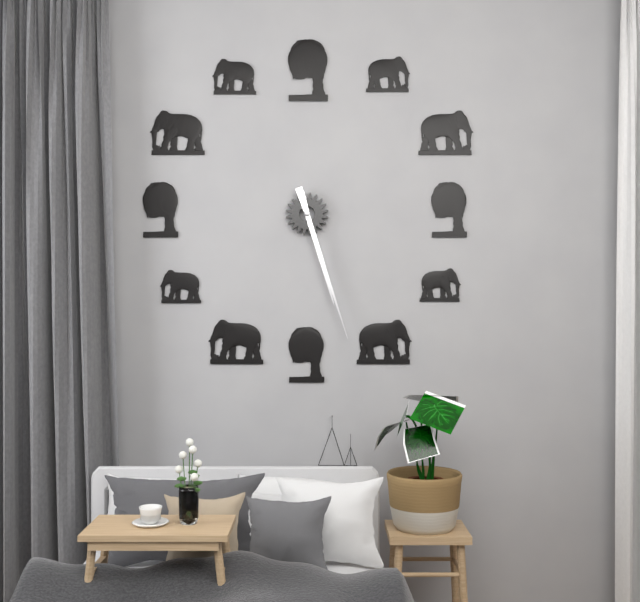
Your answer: **5:27**
